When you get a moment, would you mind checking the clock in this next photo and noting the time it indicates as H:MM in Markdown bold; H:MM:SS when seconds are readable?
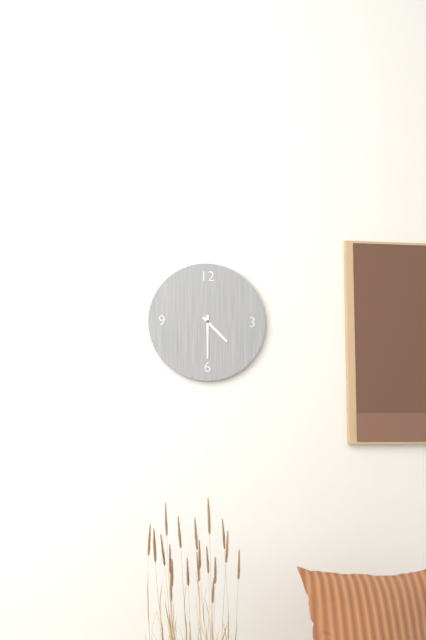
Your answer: **4:30**
